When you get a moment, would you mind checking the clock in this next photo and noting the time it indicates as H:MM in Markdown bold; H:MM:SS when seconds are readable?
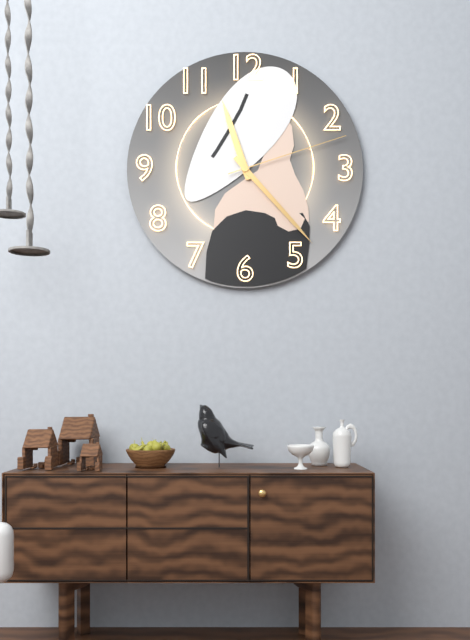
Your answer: **11:23:12**
